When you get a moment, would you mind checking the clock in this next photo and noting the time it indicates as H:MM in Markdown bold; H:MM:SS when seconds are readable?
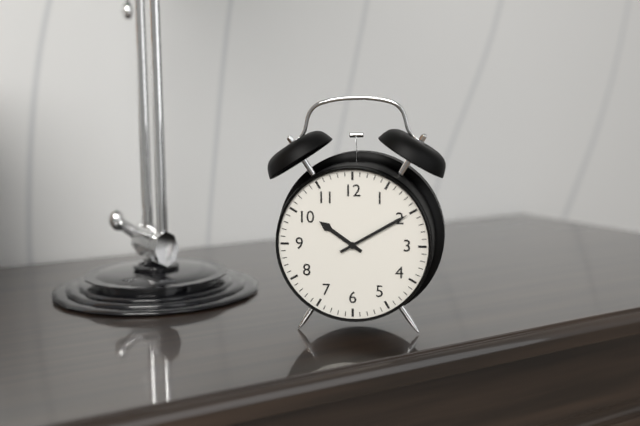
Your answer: **10:10**
